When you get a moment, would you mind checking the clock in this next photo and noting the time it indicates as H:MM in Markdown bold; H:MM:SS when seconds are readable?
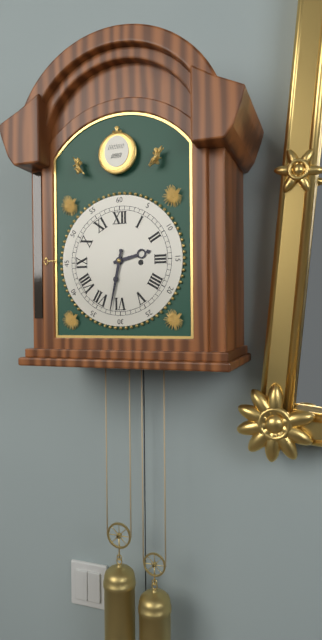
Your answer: **2:32**
